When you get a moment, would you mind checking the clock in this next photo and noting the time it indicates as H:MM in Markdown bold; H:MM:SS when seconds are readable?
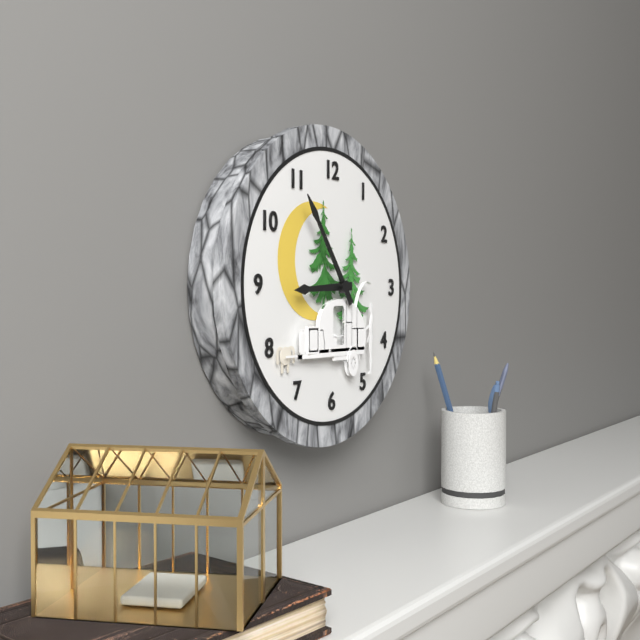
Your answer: **8:54**
